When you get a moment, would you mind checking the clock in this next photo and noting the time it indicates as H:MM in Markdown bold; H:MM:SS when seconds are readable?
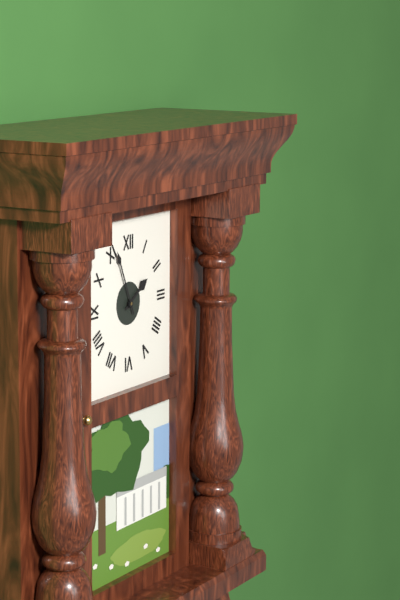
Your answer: **1:56**
